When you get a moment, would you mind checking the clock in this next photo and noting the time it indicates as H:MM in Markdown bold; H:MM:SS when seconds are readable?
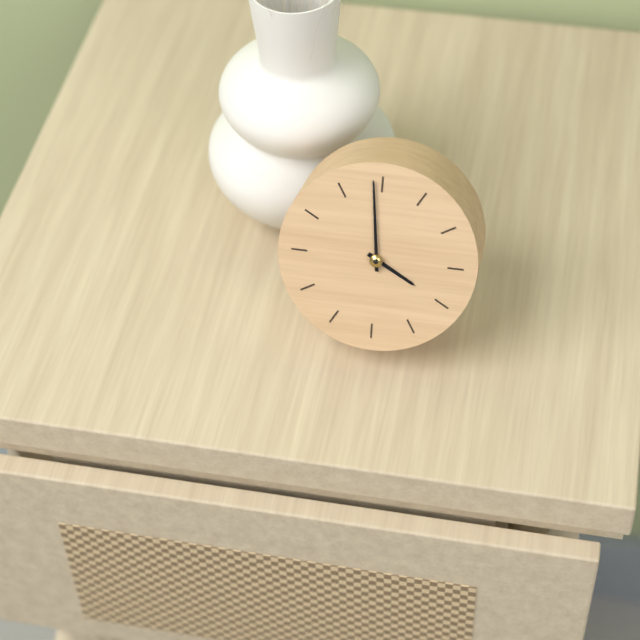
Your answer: **3:59**
